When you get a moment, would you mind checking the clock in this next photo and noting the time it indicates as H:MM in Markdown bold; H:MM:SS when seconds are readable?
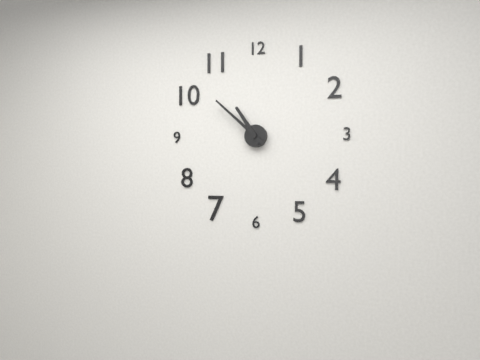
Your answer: **10:52**
